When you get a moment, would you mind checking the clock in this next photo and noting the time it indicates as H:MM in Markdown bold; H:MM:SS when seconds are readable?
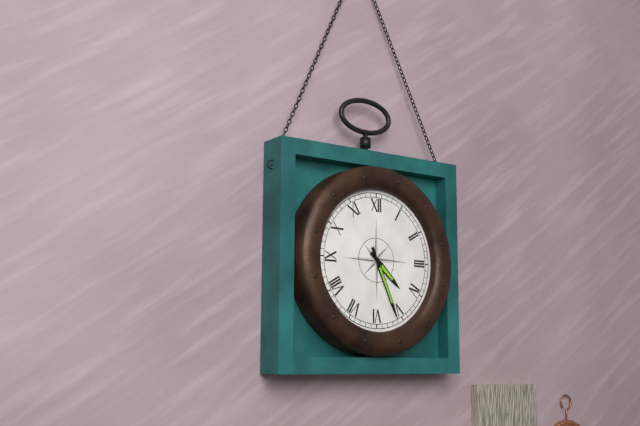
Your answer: **4:26**
